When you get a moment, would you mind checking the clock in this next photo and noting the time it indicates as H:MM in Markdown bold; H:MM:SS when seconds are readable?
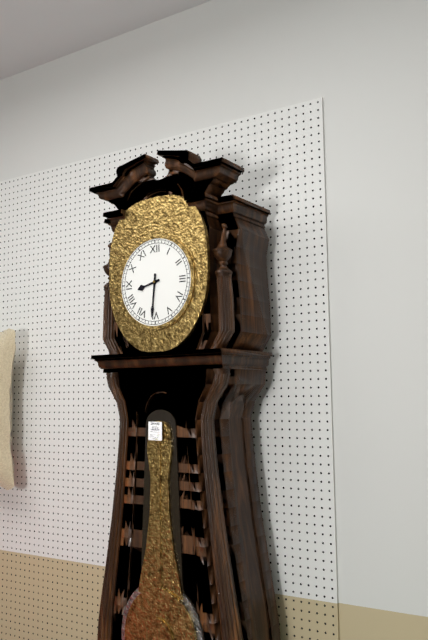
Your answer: **8:31**
